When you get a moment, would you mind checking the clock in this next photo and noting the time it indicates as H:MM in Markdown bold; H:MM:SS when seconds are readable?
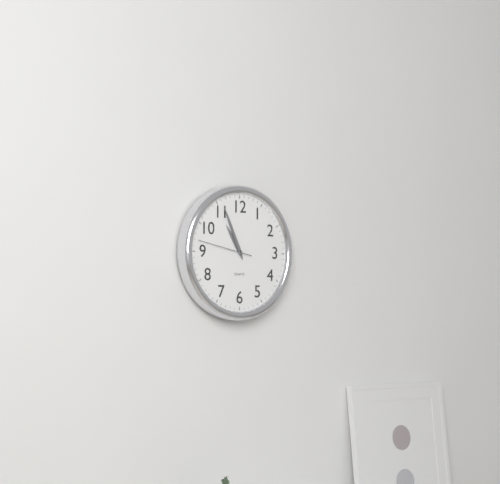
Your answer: **10:56:47**
